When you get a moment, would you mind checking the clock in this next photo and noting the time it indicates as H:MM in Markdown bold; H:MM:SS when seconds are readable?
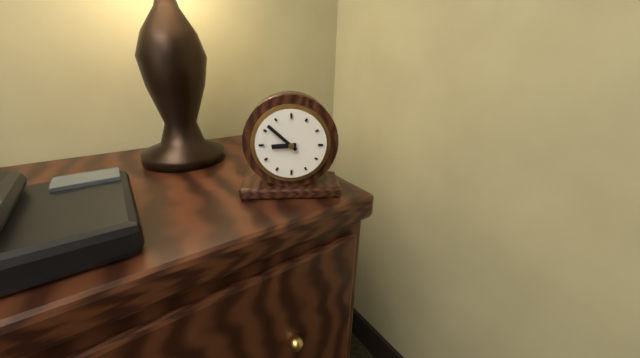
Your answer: **8:52**
